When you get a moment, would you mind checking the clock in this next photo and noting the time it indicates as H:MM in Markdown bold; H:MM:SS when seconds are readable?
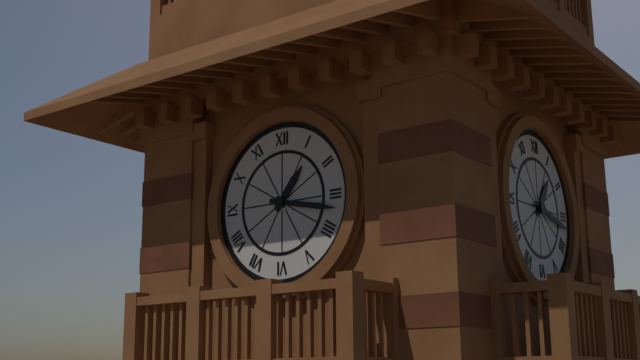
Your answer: **1:17**
